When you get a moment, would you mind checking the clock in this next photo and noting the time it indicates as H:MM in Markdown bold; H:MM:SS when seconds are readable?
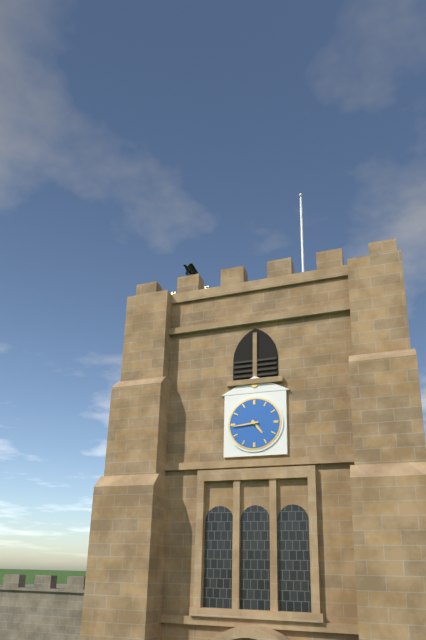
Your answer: **4:44**
